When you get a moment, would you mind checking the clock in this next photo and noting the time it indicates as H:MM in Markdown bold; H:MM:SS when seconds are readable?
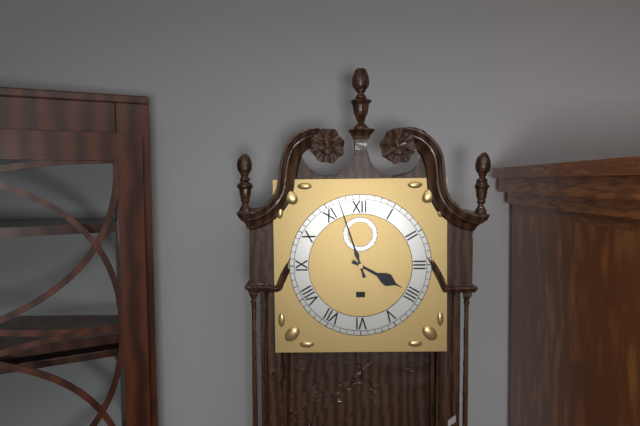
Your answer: **3:57**
